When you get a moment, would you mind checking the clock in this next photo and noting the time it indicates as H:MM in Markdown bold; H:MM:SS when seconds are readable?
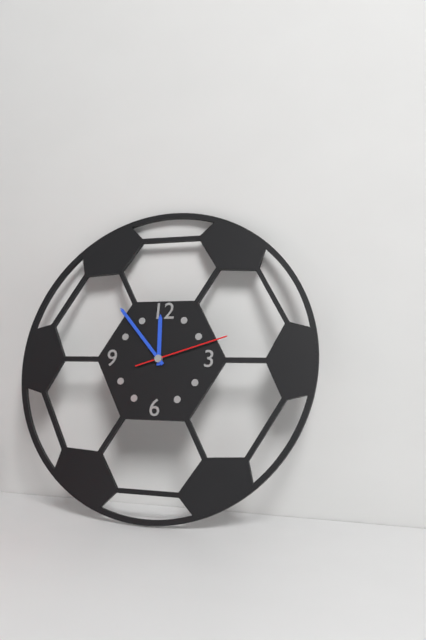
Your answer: **11:53:12**
